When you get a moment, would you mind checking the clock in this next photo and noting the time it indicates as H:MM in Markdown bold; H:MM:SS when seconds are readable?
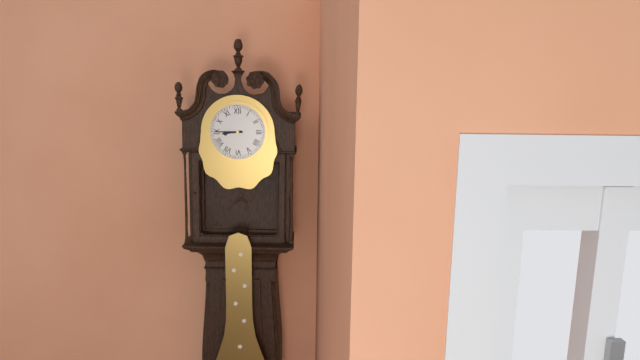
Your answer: **8:45**
